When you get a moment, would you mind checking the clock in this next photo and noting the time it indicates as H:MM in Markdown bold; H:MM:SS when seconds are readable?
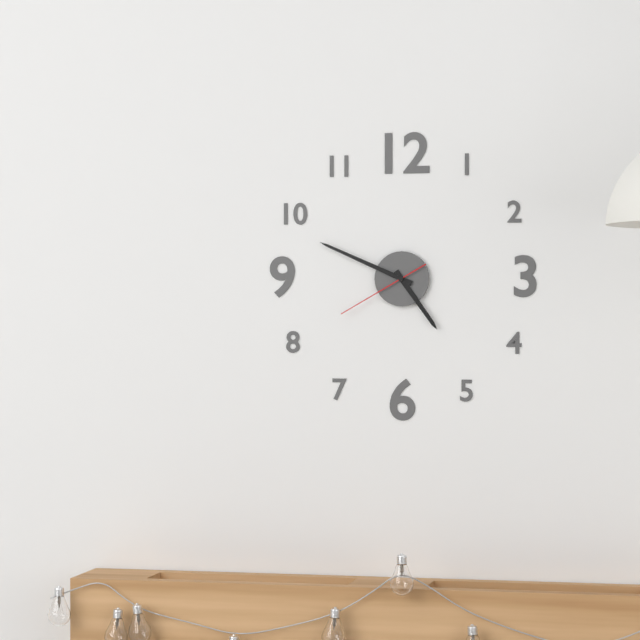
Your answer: **4:49:40**
